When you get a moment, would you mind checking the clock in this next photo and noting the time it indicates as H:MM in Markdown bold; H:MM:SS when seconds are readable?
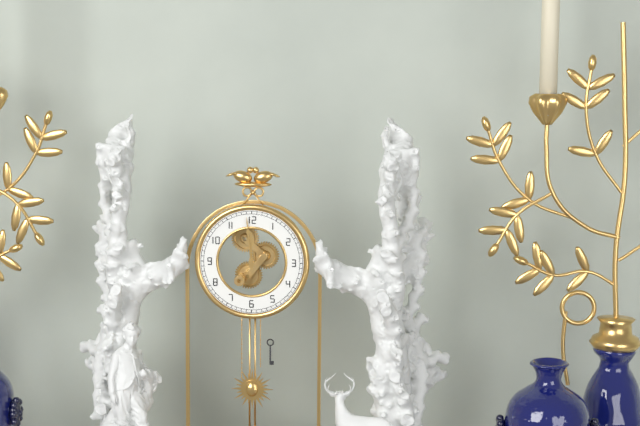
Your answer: **11:59**
